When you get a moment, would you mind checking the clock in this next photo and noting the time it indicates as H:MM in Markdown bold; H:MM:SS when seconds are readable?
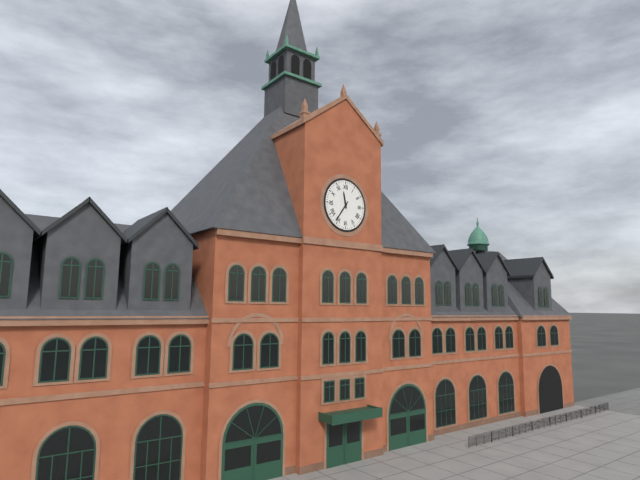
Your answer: **11:36**
